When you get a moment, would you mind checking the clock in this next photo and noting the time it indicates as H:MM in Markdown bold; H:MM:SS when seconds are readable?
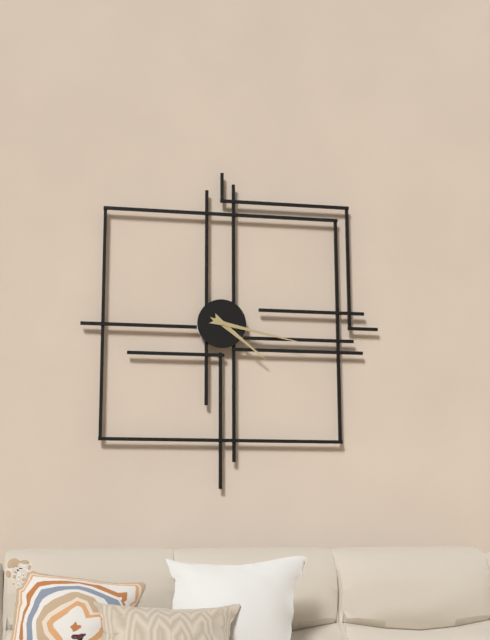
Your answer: **4:17**
